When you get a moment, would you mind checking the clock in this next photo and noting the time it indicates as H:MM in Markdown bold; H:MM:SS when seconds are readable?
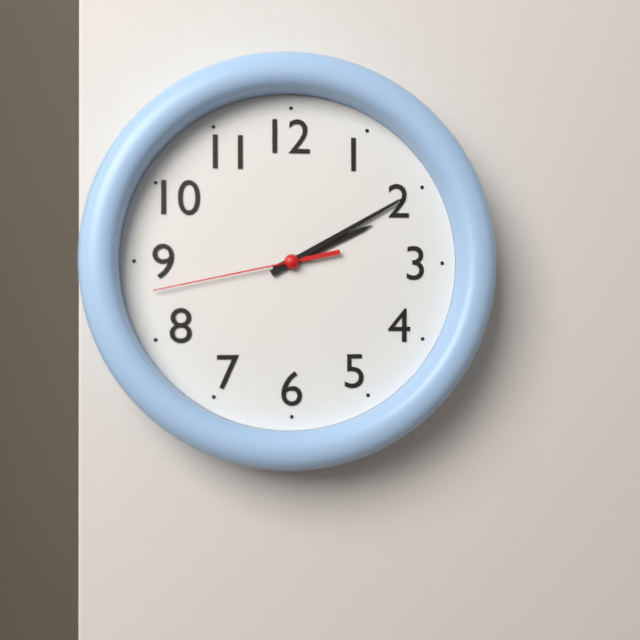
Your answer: **2:10:43**
